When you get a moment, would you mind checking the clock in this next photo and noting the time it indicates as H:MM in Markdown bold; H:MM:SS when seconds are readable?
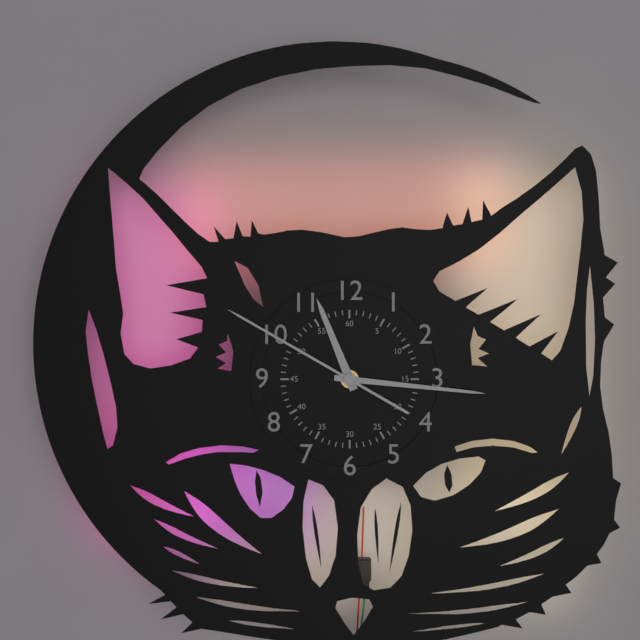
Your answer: **11:16:50**
